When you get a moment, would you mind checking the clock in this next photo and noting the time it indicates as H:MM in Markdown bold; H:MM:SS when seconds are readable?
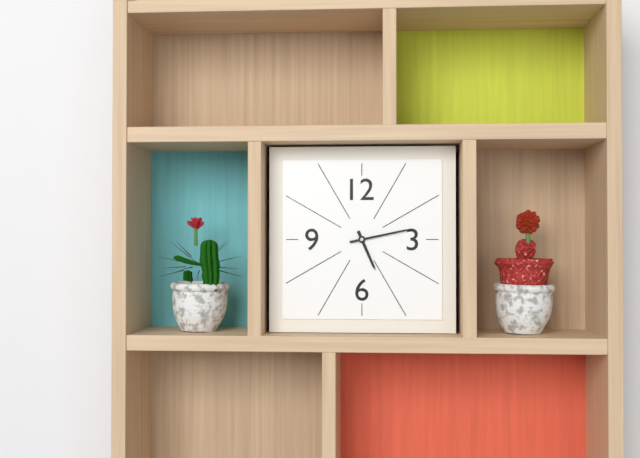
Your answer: **5:13**
